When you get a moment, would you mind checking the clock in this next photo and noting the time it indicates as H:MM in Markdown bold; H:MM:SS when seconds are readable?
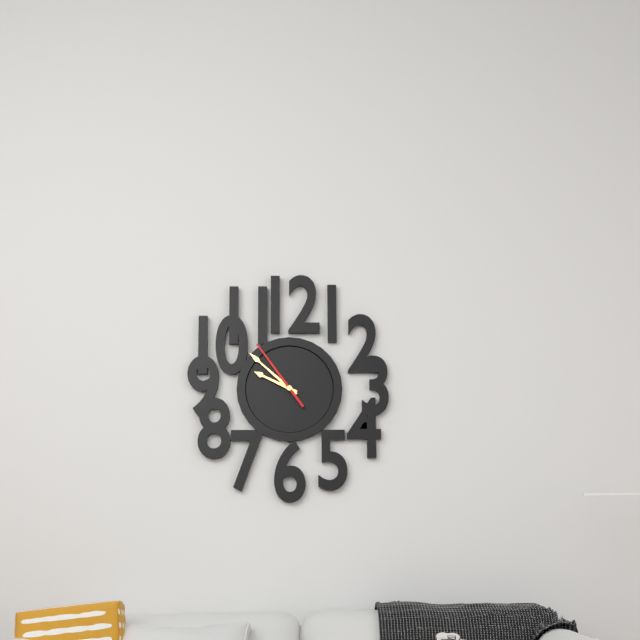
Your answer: **9:52:54**
